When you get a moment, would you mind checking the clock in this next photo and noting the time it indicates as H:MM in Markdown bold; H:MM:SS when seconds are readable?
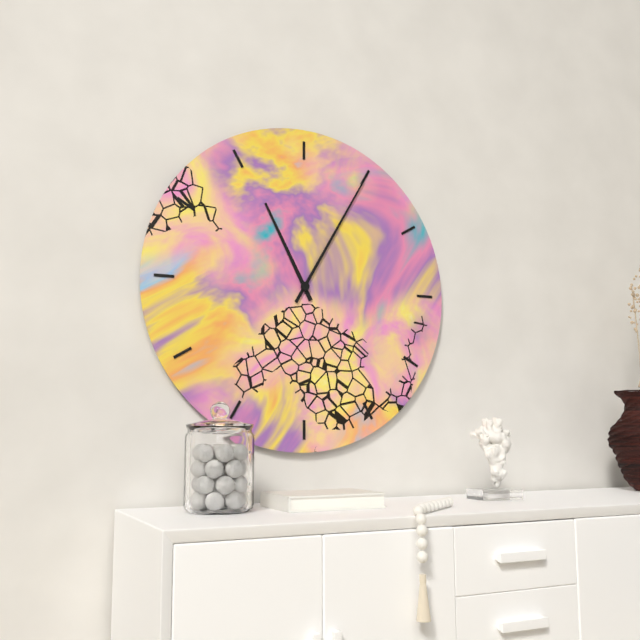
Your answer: **11:05**
